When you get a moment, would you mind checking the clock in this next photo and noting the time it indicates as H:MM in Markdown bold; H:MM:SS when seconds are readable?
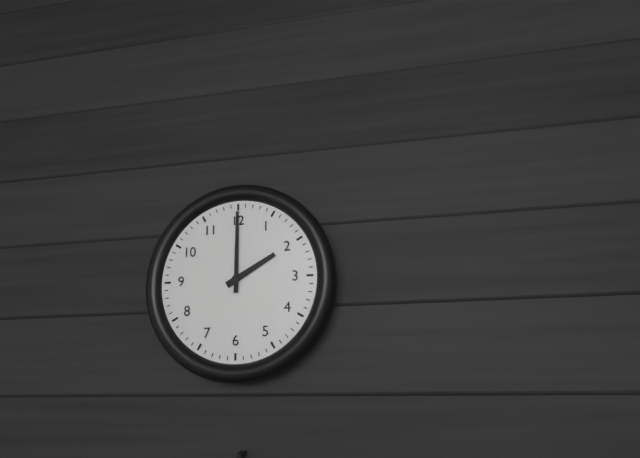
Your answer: **2:00**
